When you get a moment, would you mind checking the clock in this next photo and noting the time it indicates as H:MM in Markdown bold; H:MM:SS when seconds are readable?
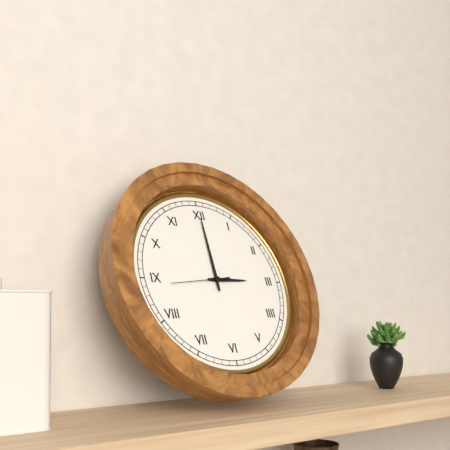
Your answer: **3:00:44**
